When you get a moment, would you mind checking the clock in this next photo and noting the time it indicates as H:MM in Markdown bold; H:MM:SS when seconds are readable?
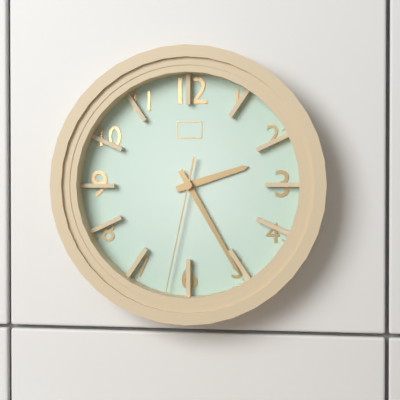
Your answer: **2:25:32**
